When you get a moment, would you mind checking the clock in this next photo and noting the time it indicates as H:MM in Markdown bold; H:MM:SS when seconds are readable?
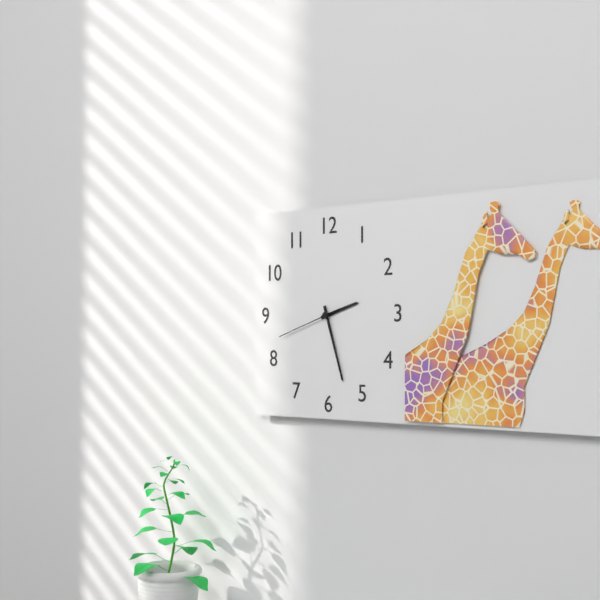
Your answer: **2:27:42**
